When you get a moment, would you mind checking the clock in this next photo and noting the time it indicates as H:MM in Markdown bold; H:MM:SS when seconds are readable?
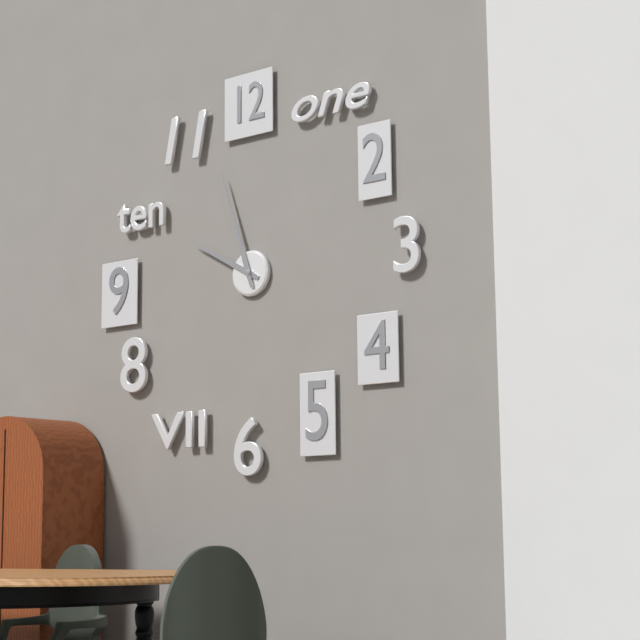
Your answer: **9:57**
